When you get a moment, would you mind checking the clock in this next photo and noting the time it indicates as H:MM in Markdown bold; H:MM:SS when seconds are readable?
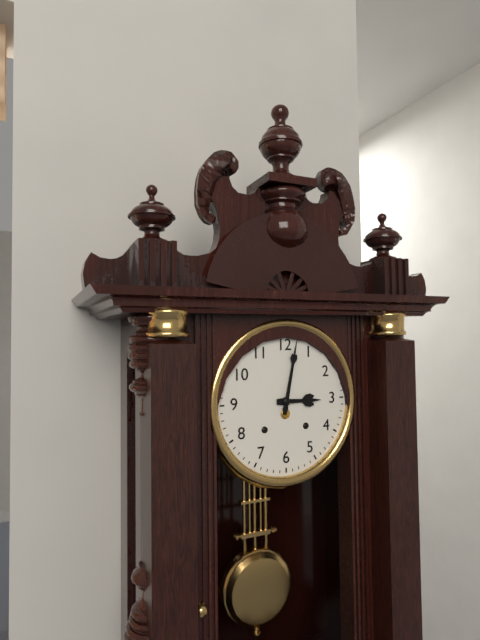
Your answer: **3:02**
